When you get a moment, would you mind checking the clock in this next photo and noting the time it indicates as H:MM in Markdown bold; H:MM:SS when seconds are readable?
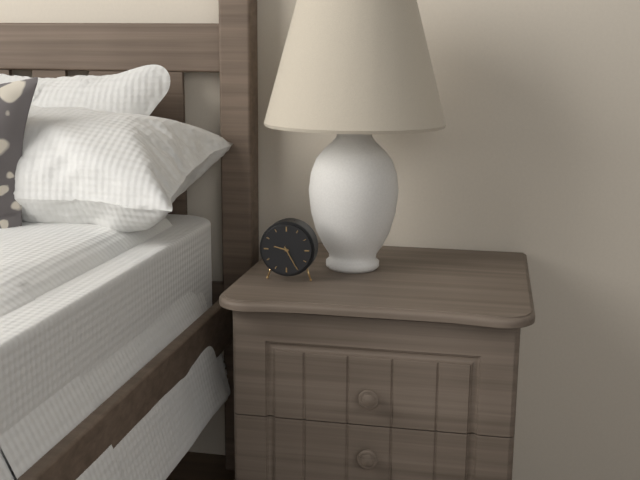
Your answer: **9:25**
